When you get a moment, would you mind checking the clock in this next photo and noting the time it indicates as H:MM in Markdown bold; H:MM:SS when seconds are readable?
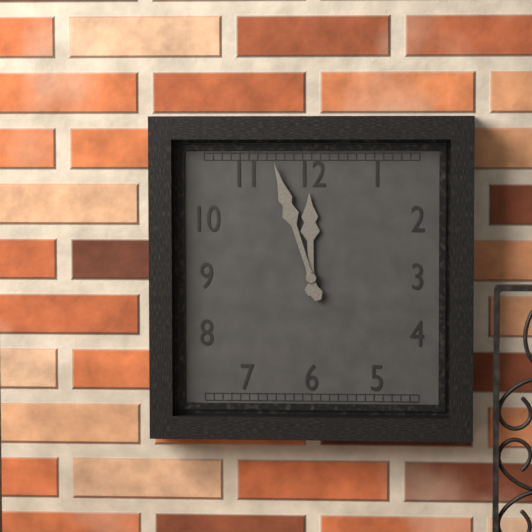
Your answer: **11:57**
